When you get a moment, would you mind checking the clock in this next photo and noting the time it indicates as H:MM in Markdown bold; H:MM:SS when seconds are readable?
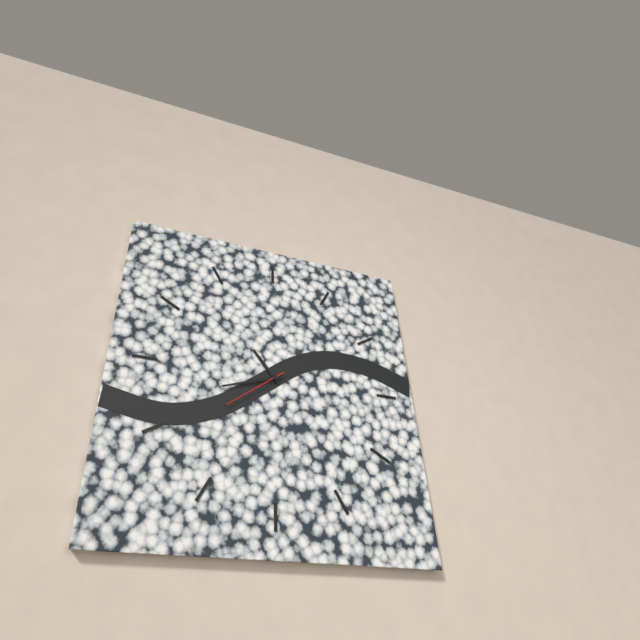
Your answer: **10:42:39**
